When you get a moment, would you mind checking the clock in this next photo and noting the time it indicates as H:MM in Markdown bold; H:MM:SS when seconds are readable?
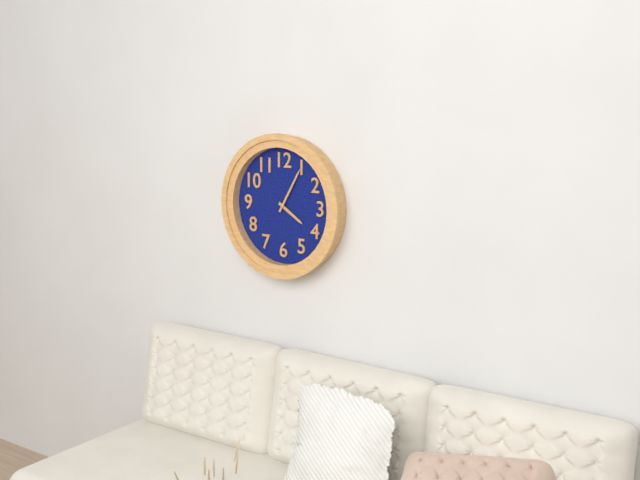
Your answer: **4:05**
